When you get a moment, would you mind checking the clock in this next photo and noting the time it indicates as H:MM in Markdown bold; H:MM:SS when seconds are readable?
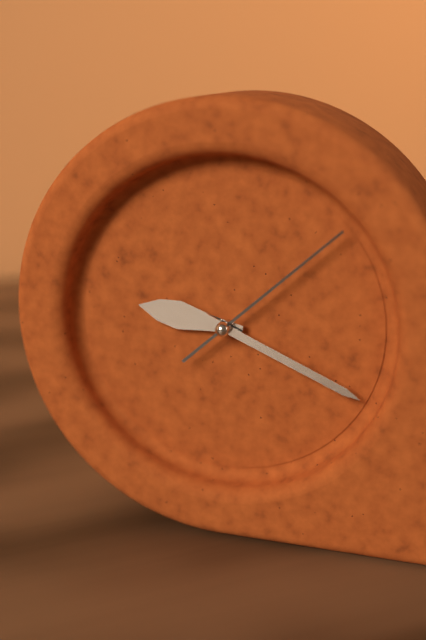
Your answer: **9:19:08**
